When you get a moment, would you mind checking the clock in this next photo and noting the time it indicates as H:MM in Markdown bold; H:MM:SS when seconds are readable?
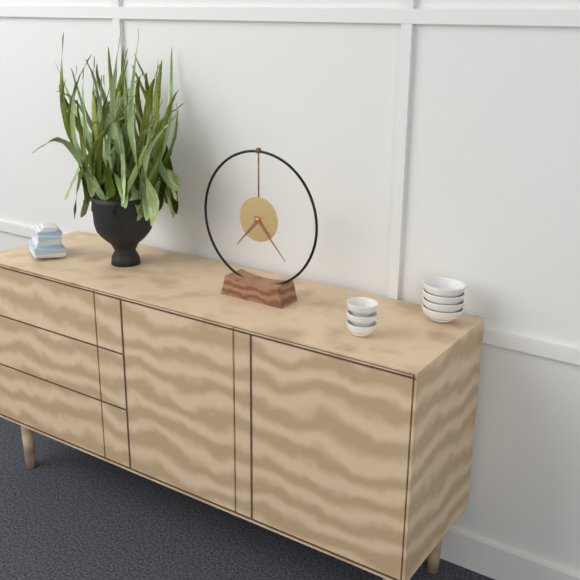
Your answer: **7:23**
